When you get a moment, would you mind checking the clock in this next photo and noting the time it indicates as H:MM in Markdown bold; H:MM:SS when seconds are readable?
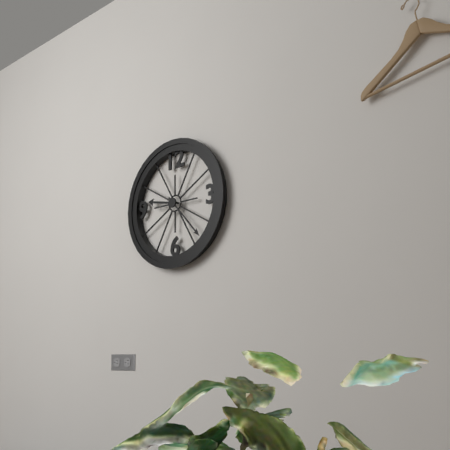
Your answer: **9:23**
